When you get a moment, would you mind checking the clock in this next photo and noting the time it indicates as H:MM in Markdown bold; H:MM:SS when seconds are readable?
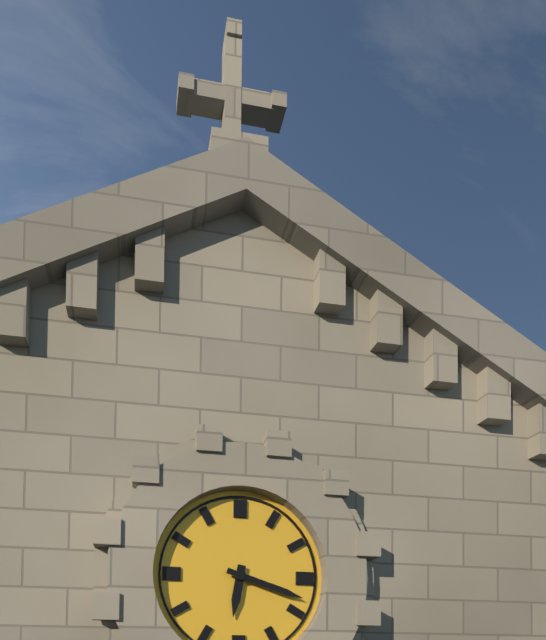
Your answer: **6:18**
